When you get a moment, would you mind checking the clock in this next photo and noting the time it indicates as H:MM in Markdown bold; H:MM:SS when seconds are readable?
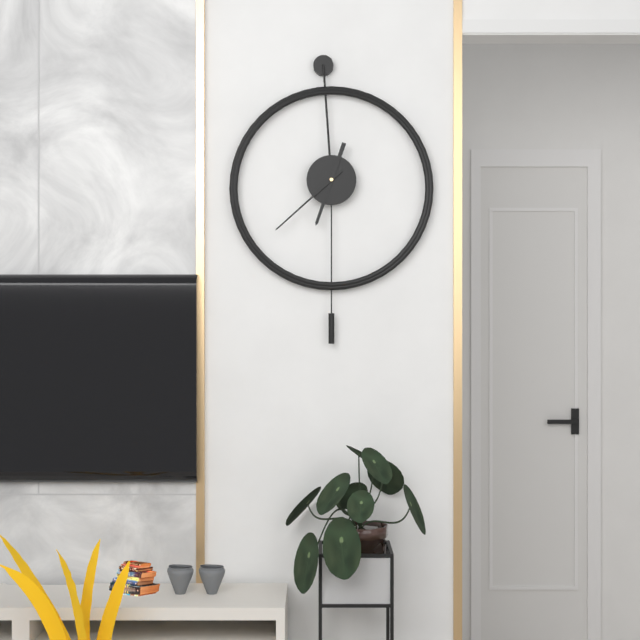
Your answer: **6:38**
